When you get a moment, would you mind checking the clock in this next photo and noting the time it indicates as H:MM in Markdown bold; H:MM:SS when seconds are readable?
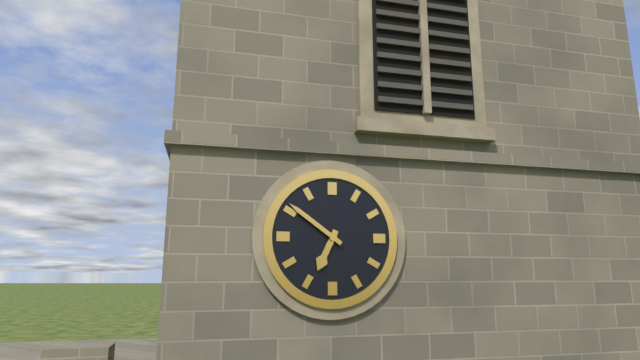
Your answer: **6:51**
